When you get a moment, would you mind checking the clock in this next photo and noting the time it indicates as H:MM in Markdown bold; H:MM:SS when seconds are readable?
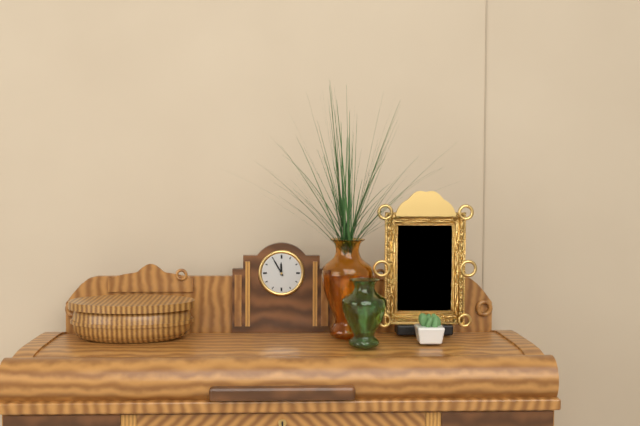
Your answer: **11:55**
